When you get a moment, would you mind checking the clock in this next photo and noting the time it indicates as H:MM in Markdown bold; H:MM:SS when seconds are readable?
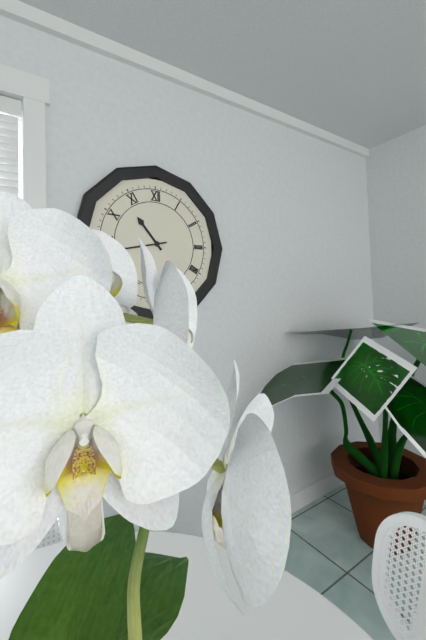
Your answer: **10:43**
